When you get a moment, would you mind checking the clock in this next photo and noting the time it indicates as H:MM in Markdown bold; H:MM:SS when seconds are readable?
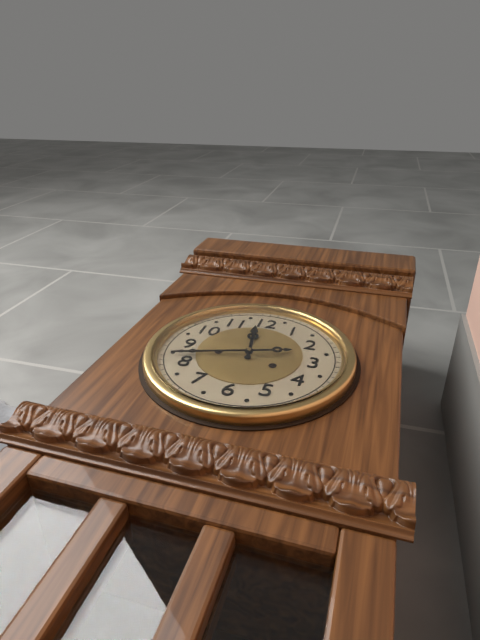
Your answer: **11:42**
